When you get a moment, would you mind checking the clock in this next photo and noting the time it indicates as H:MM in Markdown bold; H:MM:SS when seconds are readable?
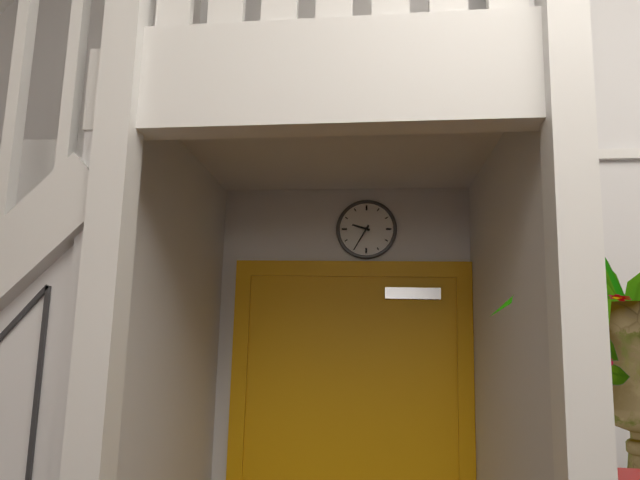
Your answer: **9:35**
